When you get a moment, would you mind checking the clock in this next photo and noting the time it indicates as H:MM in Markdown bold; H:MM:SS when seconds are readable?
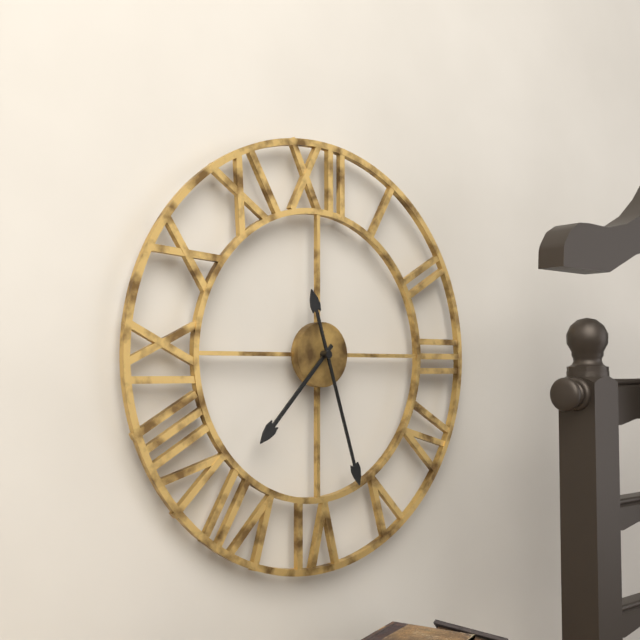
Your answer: **7:27**
